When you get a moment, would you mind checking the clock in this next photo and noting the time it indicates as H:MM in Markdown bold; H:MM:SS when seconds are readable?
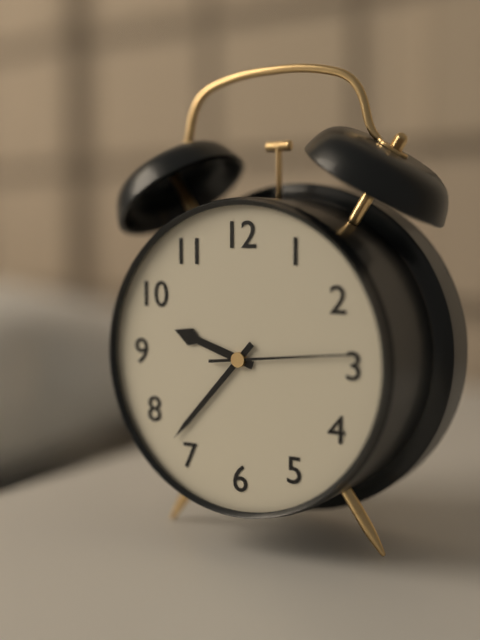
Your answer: **9:37:14**
